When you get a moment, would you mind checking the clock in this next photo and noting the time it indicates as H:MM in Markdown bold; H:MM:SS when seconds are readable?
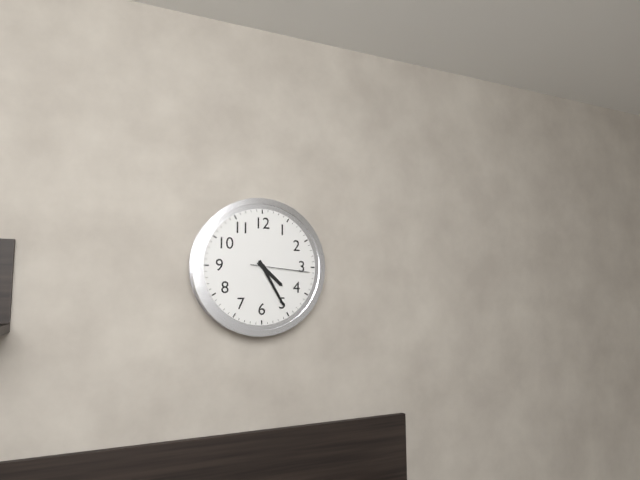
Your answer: **4:25:16**
